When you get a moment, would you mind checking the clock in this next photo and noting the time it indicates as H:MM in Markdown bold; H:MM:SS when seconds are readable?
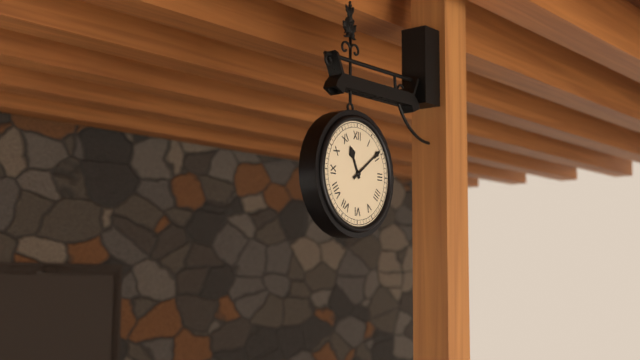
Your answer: **11:09**
